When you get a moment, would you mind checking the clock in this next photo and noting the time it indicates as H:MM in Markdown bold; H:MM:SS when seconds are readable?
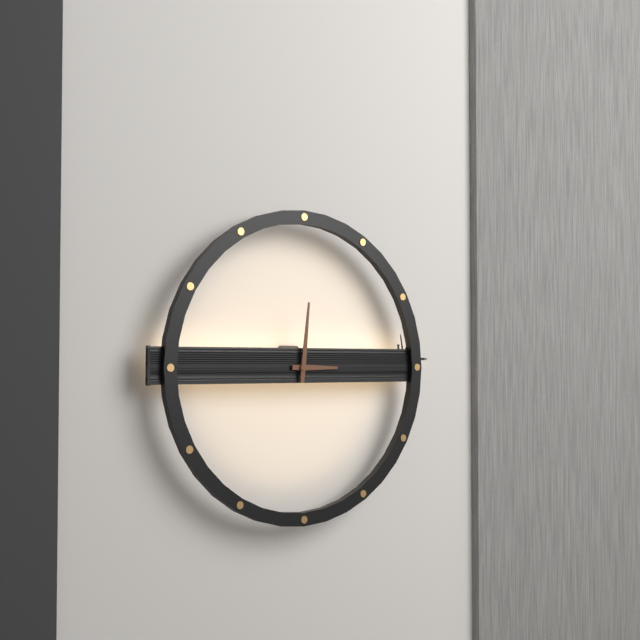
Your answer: **3:01**
